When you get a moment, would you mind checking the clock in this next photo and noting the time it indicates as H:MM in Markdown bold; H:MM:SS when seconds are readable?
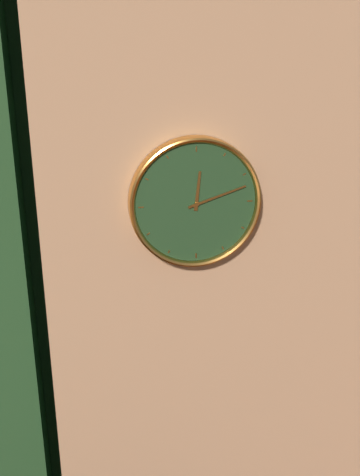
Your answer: **12:12**
